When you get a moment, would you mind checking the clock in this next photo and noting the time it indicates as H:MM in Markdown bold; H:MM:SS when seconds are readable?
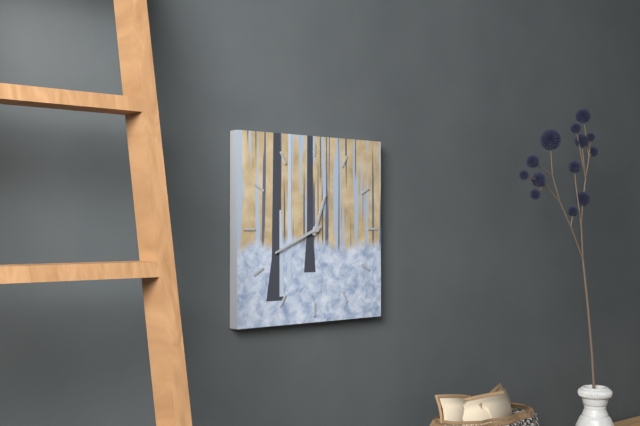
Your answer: **12:41**
